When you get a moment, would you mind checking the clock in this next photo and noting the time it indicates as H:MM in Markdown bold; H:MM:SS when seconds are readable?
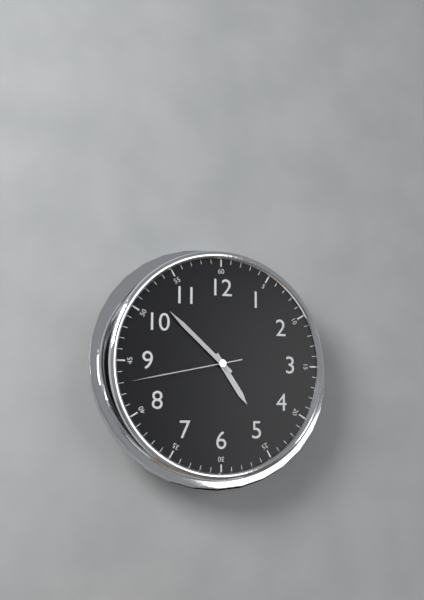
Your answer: **4:52:43**
